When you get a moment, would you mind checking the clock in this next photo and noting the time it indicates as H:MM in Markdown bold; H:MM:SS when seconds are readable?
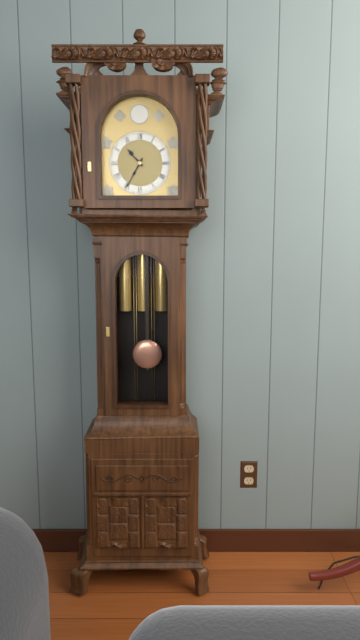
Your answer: **10:35**
